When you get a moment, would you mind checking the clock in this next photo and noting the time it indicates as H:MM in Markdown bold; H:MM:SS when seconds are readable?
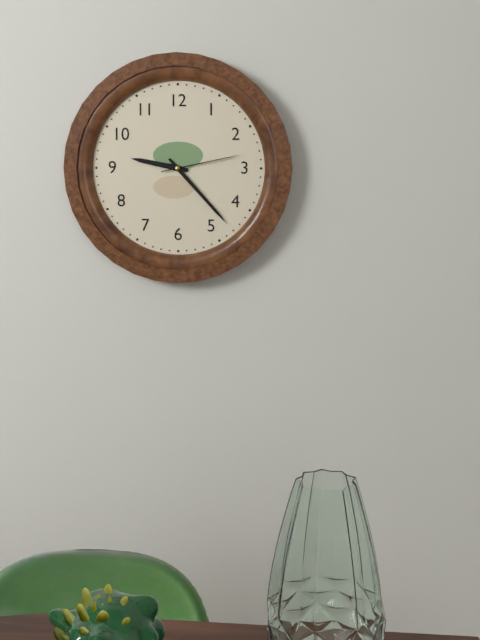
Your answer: **9:23:13**
